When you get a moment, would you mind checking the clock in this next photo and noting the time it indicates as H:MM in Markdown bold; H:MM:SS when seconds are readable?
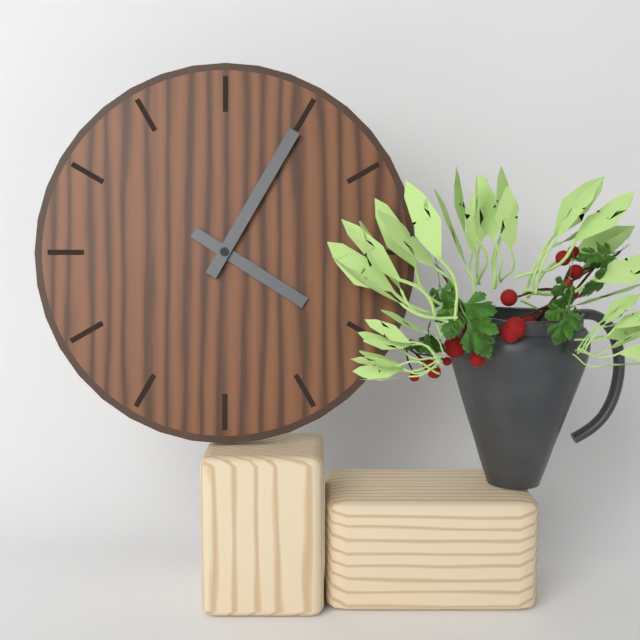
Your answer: **4:05**
